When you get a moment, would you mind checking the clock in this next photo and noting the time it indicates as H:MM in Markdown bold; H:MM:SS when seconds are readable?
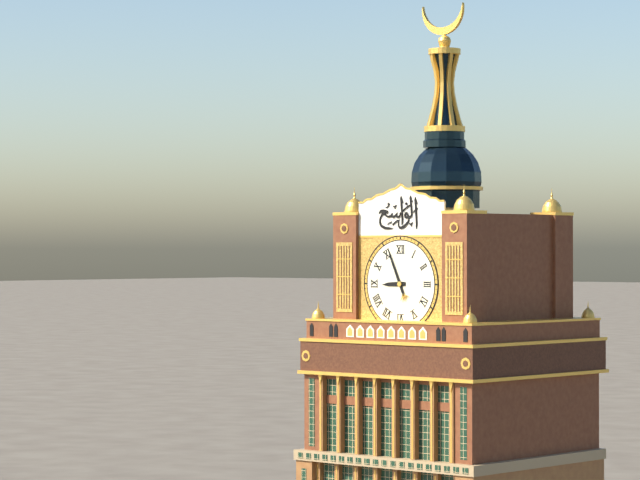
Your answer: **8:56**
